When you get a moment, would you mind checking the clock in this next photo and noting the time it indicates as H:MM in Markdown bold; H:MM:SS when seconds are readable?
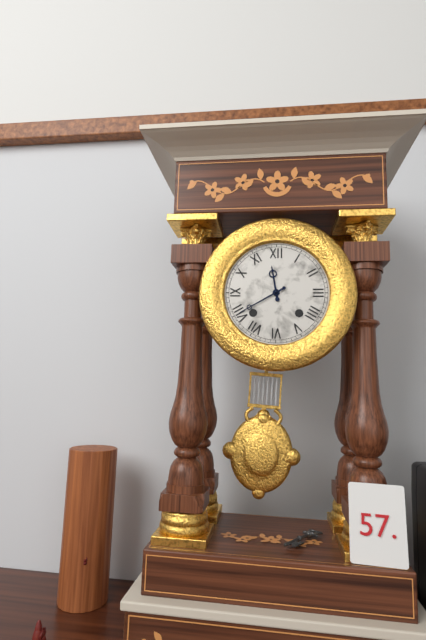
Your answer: **11:40**
